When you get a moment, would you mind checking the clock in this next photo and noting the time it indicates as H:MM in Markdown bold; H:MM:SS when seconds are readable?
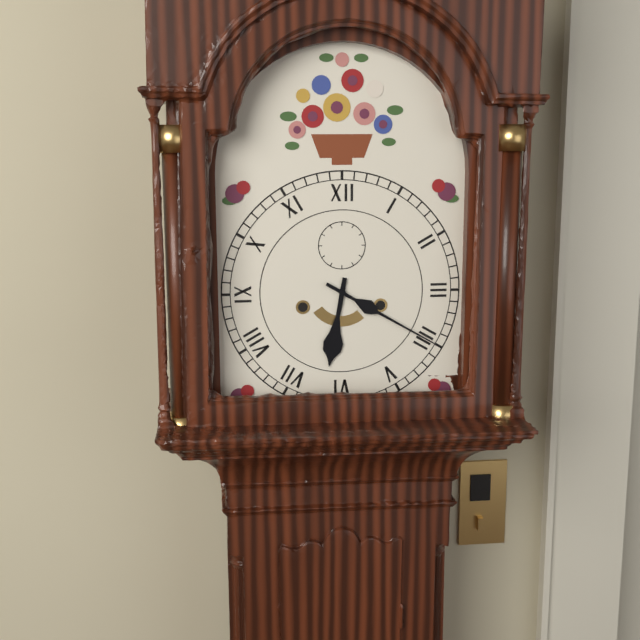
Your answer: **6:20**
